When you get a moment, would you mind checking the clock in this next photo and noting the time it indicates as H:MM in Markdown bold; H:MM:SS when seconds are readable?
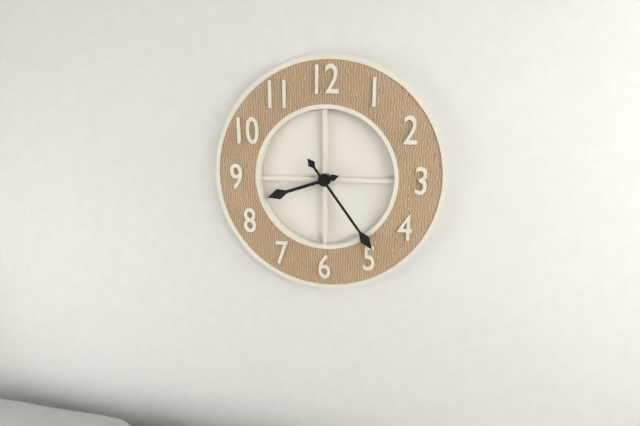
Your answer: **8:24**
